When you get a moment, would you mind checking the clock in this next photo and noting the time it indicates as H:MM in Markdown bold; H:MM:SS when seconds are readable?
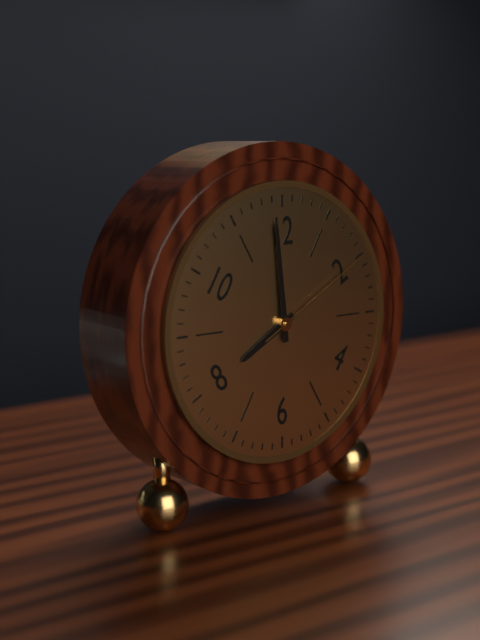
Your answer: **7:59:10**
